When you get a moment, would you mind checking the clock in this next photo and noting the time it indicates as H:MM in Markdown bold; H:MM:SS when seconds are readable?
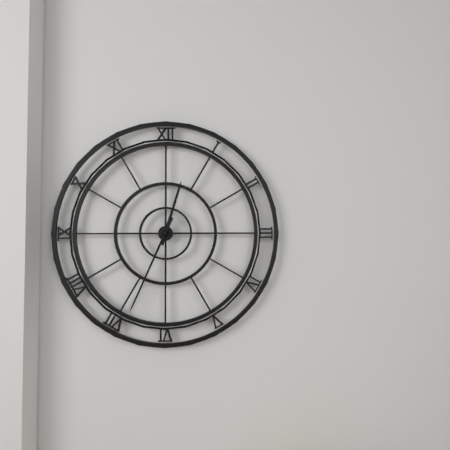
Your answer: **12:34**
